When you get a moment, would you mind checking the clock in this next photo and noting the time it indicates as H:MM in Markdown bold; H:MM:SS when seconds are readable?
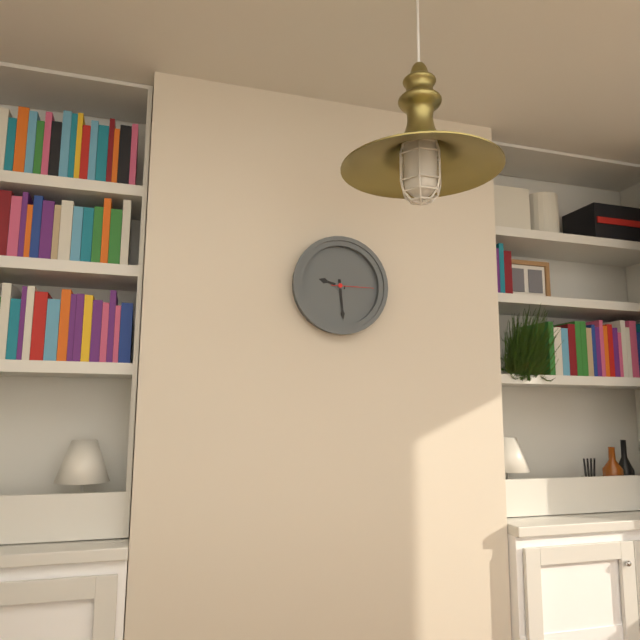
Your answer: **9:29**
